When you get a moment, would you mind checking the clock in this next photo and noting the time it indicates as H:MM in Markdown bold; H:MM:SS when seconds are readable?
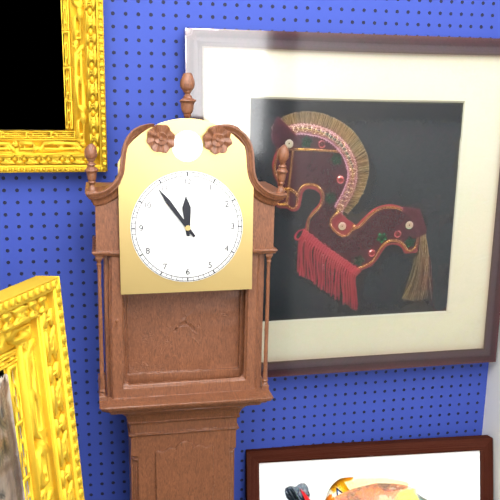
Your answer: **11:54**
